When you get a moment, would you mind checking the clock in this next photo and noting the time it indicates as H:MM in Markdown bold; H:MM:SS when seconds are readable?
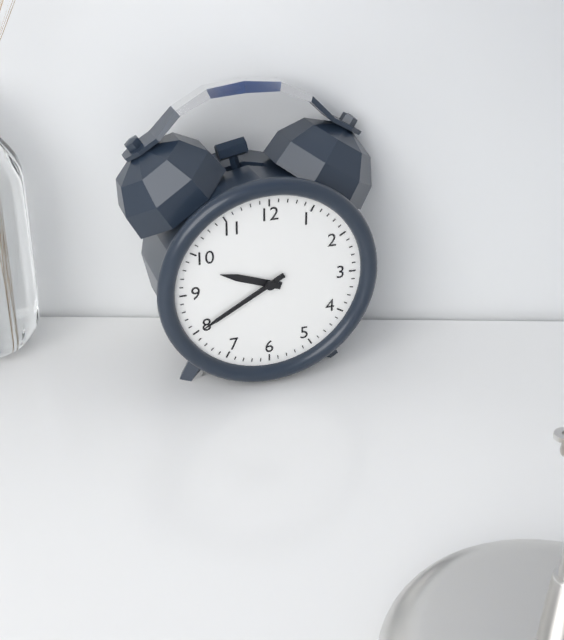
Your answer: **9:40**
